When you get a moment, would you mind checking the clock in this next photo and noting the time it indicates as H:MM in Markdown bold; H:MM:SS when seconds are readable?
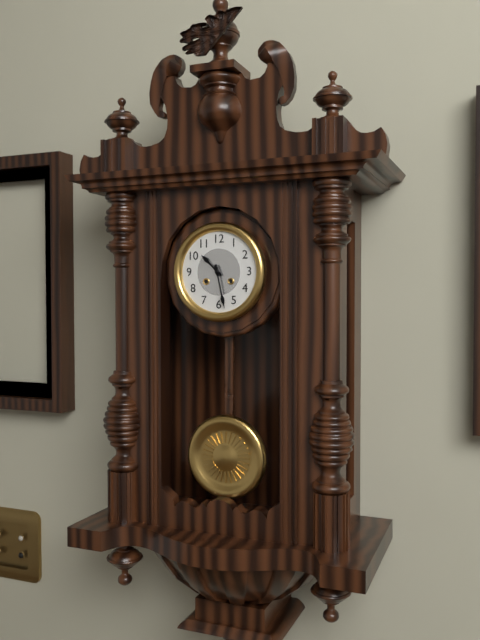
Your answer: **10:28**
